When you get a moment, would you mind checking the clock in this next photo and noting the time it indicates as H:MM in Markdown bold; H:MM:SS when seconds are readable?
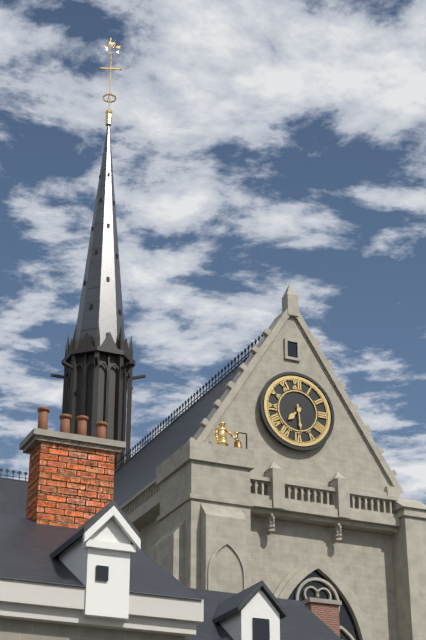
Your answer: **7:29**
